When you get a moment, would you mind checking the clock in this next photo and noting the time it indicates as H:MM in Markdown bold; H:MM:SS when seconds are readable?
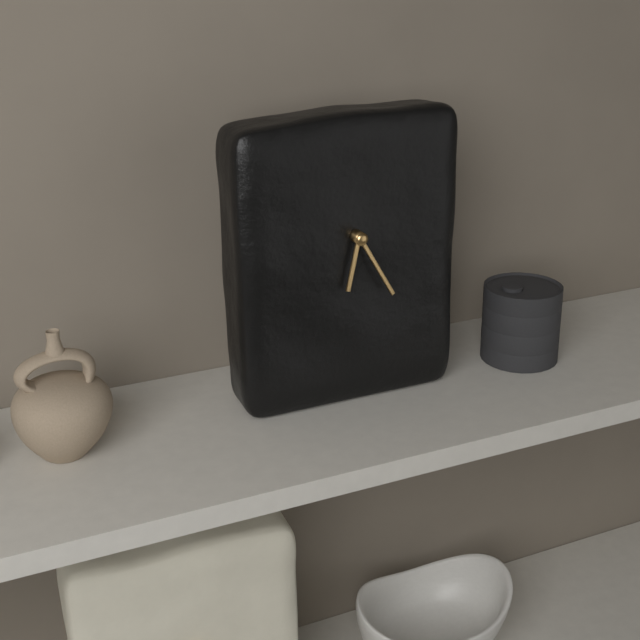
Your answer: **6:25**
